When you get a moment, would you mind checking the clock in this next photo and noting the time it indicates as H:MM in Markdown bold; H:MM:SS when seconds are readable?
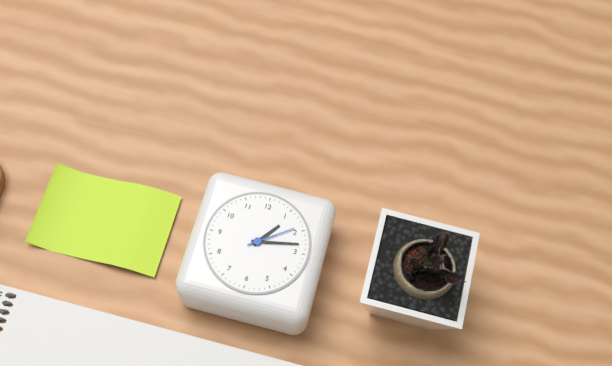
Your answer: **1:13**
